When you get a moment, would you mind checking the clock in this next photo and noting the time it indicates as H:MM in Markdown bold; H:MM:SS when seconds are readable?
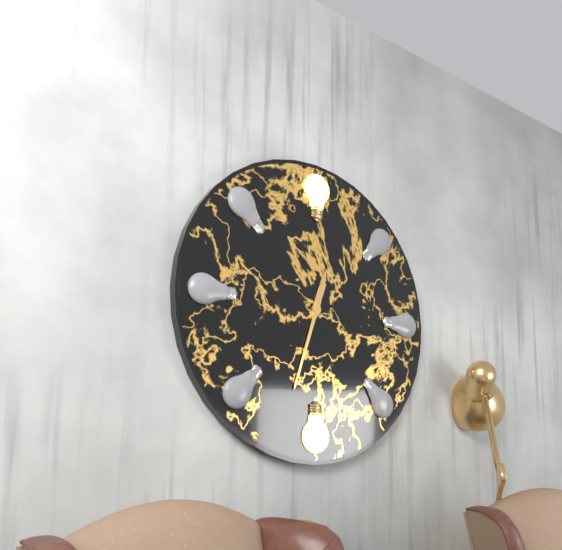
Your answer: **12:33**
